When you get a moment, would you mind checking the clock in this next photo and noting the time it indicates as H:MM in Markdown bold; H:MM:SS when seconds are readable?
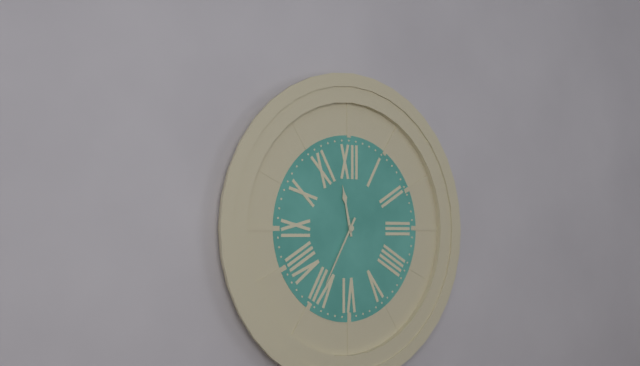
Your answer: **11:35**
